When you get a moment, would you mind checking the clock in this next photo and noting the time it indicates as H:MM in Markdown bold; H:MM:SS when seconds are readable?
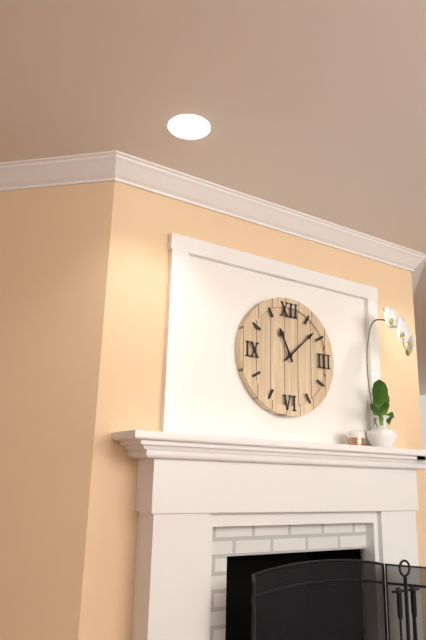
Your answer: **11:08**
